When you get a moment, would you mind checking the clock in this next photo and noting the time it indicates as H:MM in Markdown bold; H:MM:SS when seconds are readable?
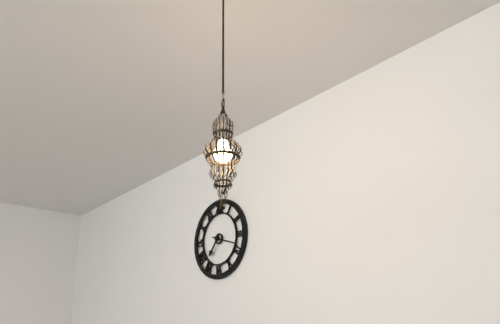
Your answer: **7:18**
